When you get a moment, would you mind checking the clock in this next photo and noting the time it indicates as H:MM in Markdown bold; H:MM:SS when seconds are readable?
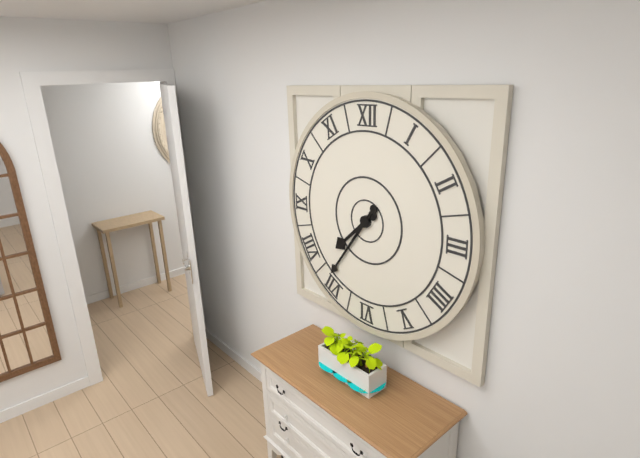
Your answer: **7:36**
